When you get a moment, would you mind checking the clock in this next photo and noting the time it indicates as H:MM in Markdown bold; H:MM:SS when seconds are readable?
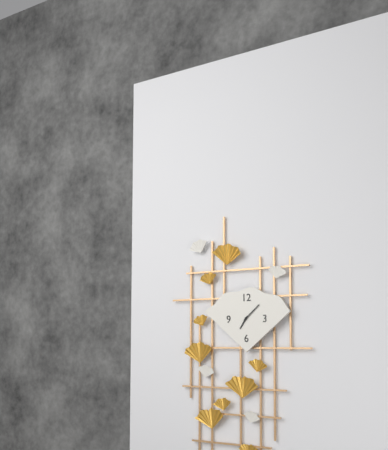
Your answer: **7:08**
